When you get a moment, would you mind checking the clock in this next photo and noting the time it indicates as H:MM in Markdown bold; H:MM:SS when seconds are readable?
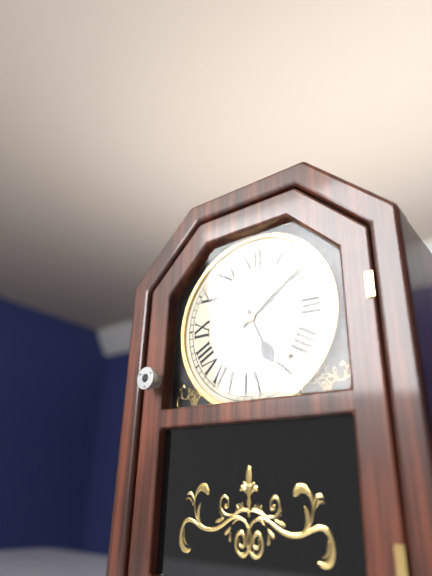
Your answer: **5:09**
